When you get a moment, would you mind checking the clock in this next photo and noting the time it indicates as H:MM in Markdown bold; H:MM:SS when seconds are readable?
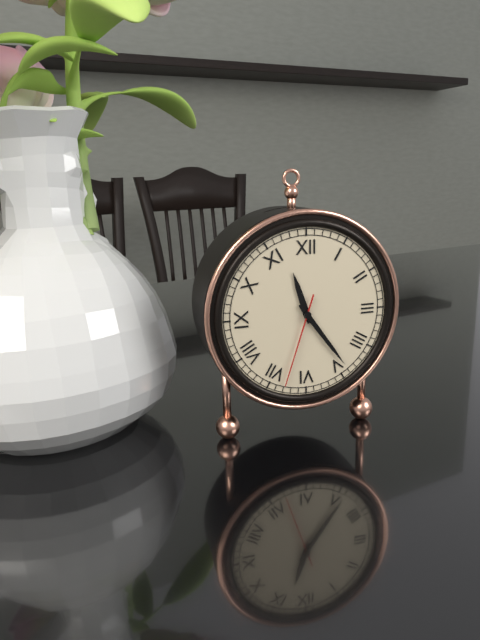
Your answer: **11:24:33**
